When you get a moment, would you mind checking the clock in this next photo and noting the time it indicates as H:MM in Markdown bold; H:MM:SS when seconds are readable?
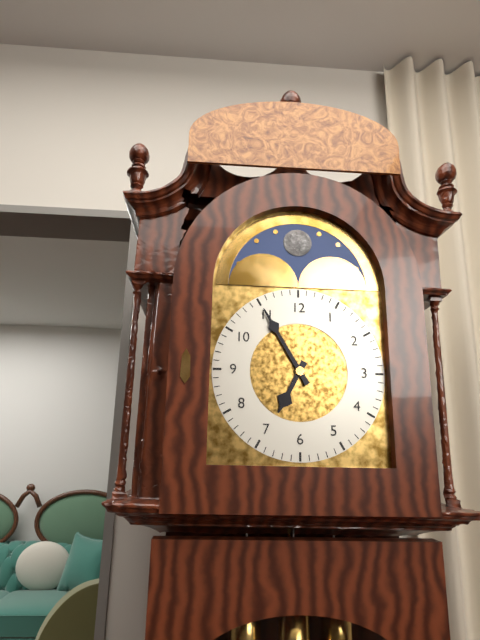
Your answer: **6:55**
